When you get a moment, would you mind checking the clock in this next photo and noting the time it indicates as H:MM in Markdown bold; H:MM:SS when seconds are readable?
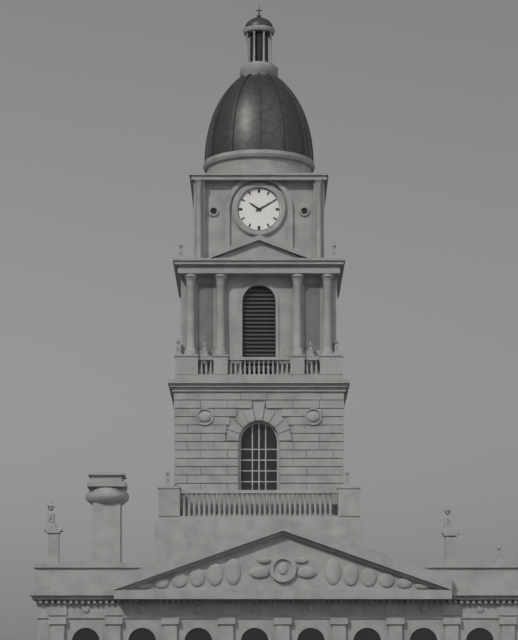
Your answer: **10:10**
